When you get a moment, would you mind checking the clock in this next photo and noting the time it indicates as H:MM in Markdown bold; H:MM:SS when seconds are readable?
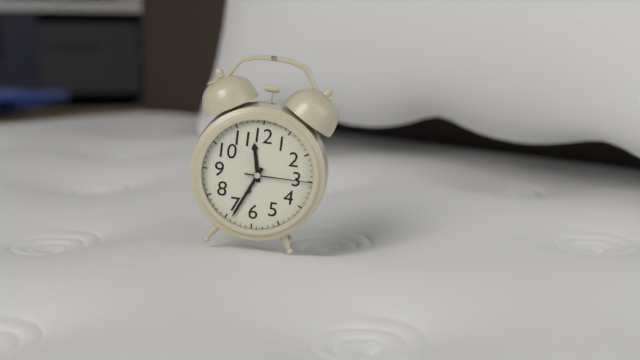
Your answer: **11:34:15**
